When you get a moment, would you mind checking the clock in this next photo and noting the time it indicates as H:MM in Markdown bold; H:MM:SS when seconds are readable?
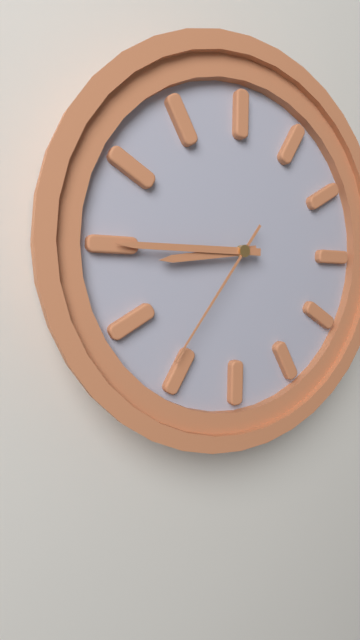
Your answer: **8:45:36**
